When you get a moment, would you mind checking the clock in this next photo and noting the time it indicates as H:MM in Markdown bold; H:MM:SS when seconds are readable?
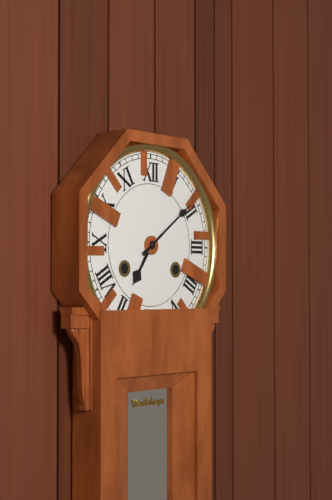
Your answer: **7:09**
